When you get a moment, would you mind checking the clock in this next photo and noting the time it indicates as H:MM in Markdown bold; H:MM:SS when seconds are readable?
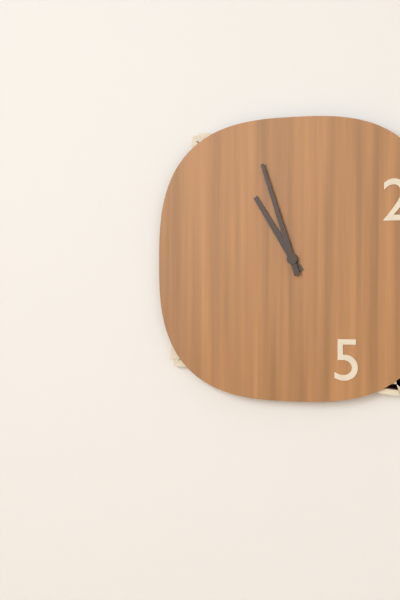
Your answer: **10:57**
